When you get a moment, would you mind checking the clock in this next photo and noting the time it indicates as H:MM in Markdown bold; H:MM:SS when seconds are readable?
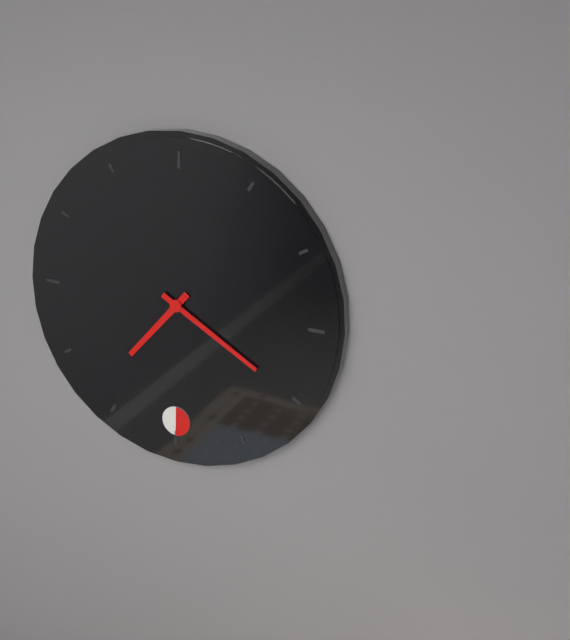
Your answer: **7:20**
